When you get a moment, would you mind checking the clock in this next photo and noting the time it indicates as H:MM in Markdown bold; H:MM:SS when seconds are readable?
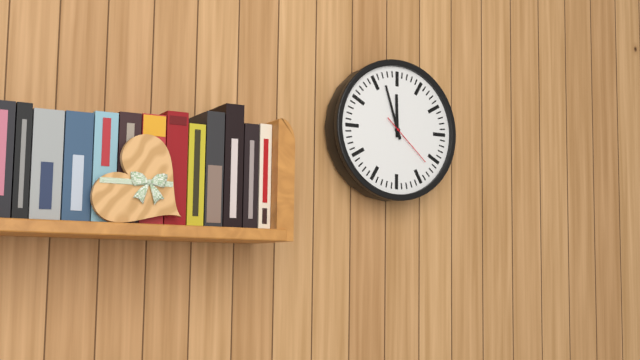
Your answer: **11:57:22**
